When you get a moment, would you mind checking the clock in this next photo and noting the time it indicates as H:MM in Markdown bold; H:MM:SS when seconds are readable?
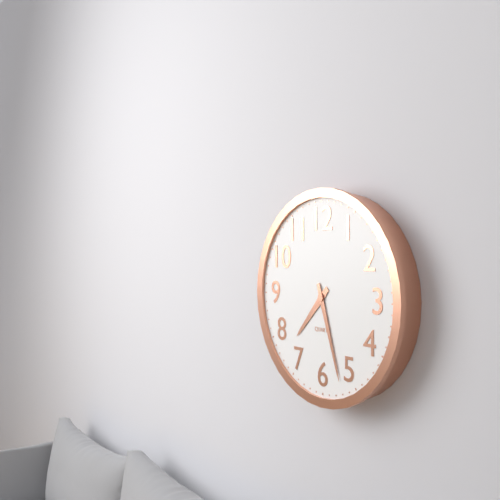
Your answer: **7:27**
